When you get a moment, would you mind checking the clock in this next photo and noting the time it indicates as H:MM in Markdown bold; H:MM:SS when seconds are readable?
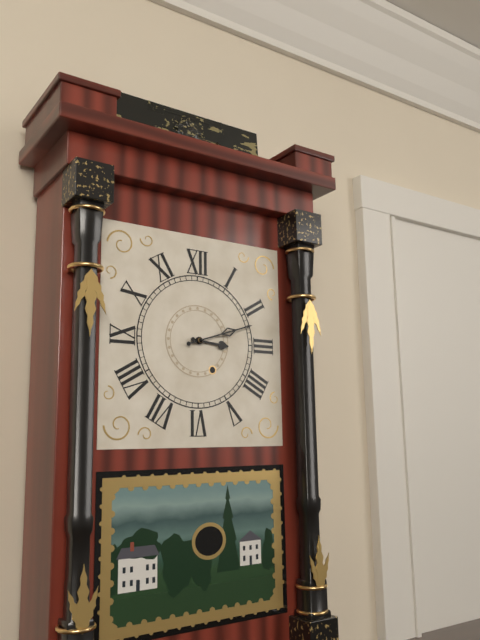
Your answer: **3:12**
